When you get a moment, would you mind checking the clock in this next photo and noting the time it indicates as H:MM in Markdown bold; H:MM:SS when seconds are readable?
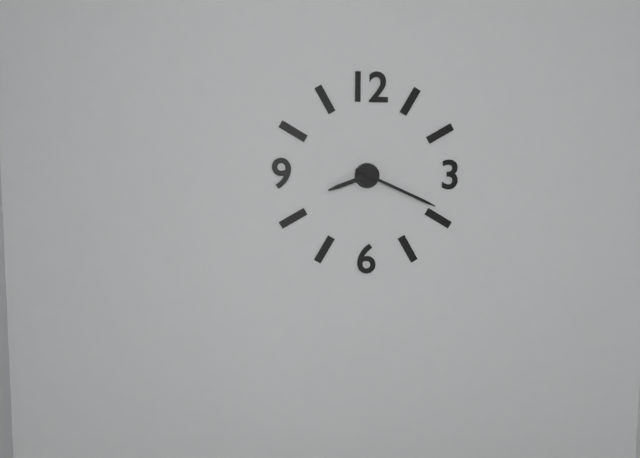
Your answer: **8:19**
